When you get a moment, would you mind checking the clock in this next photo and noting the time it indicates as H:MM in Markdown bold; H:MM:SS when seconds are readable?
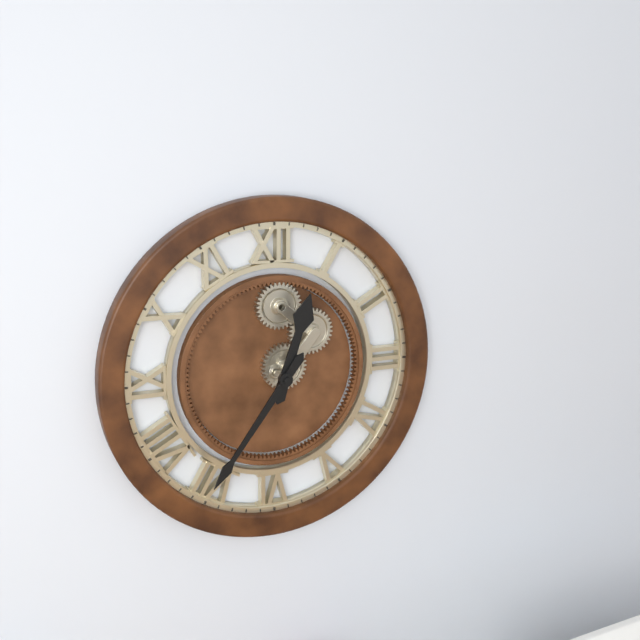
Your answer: **12:36**
